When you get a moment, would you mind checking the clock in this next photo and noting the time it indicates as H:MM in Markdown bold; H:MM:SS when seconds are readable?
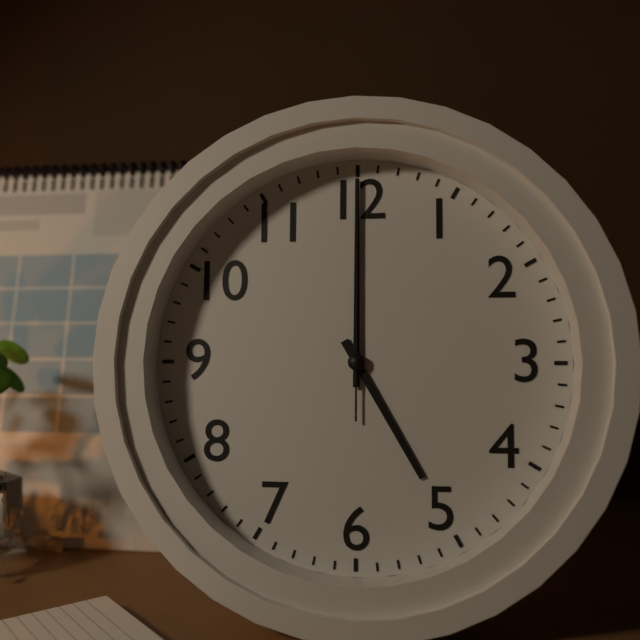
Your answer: **5:00:00**
